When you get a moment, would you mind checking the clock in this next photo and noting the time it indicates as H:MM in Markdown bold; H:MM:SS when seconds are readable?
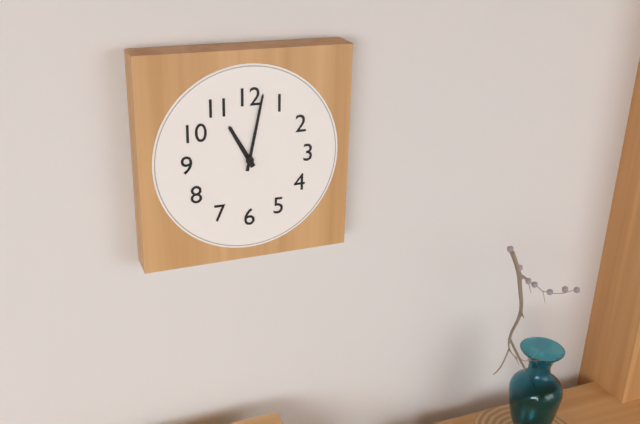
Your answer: **11:02**
